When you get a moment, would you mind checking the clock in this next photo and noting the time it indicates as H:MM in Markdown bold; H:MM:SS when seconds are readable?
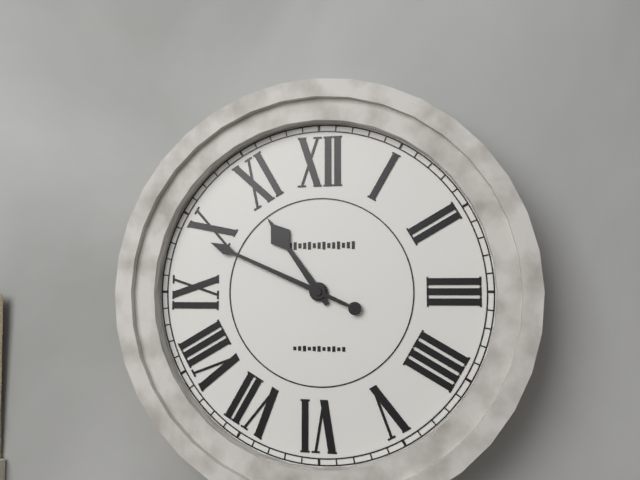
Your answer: **10:49**
